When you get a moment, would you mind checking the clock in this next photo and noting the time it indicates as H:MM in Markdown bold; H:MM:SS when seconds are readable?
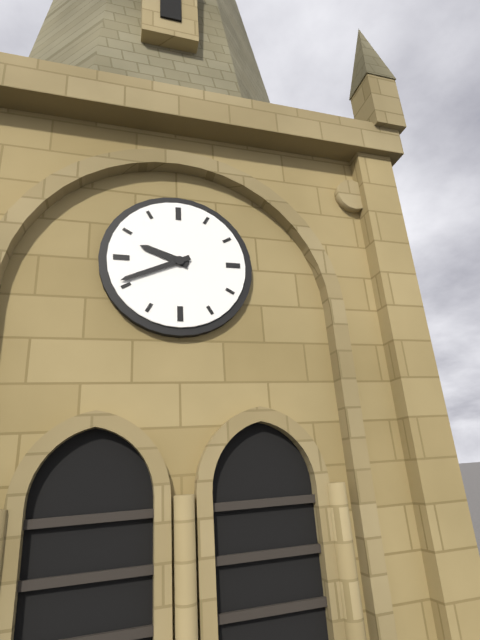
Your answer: **9:41**
